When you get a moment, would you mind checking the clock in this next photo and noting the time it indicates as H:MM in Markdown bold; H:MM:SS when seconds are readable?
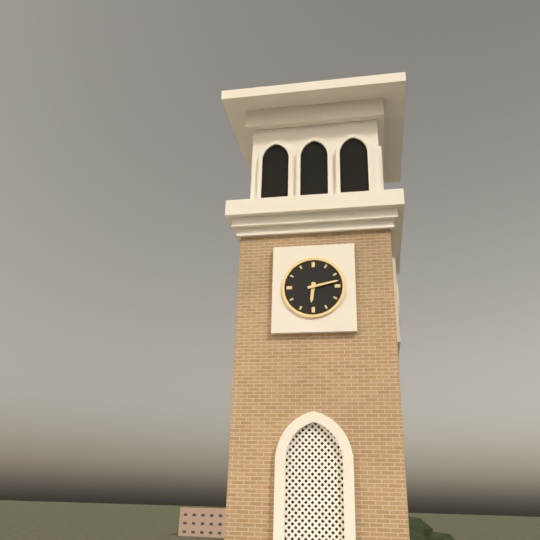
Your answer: **6:13**
